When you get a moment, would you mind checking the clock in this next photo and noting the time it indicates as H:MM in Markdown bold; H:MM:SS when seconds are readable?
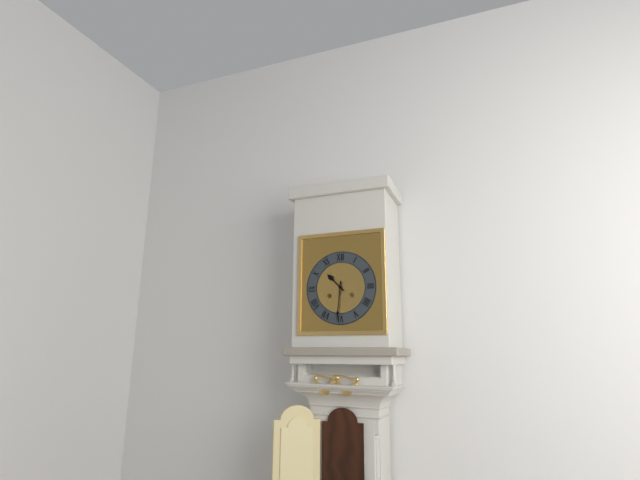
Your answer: **10:31**
